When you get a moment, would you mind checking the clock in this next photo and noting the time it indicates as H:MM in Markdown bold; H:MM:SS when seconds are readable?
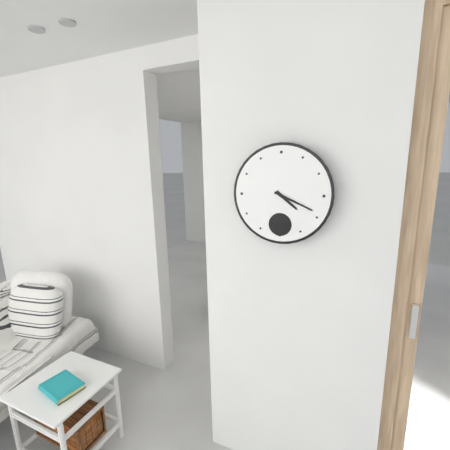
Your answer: **4:19**
